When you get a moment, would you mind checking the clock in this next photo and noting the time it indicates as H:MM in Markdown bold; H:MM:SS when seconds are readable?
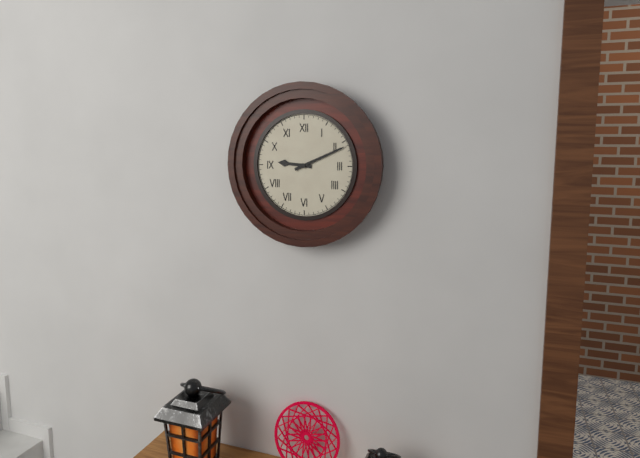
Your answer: **9:11**
